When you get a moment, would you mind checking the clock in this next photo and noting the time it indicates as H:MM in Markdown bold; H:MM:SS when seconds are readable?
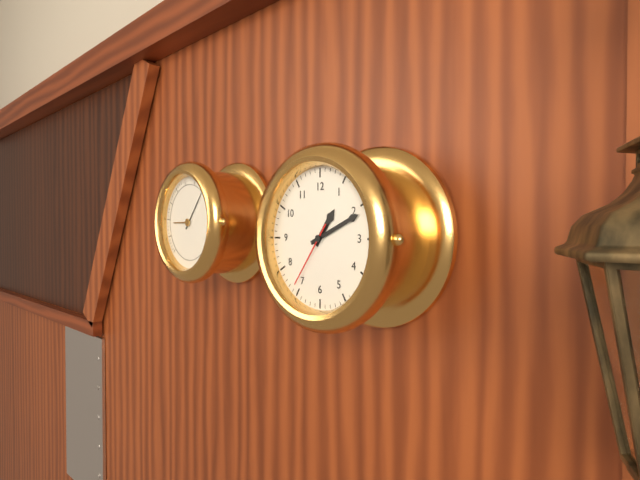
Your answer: **1:11:36**
